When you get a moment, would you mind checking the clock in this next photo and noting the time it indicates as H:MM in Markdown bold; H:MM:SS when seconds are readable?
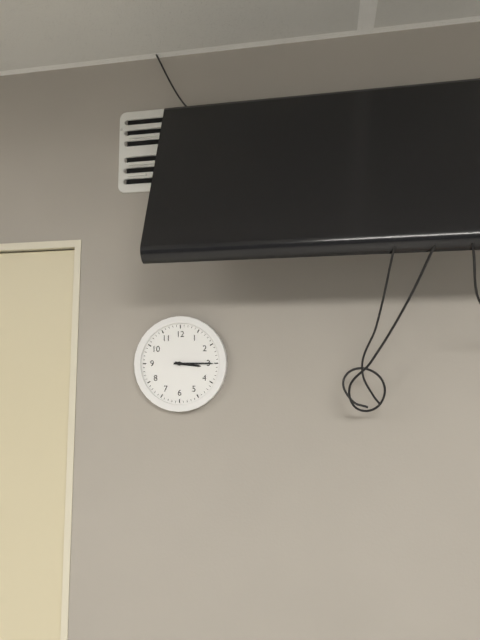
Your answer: **3:15**
